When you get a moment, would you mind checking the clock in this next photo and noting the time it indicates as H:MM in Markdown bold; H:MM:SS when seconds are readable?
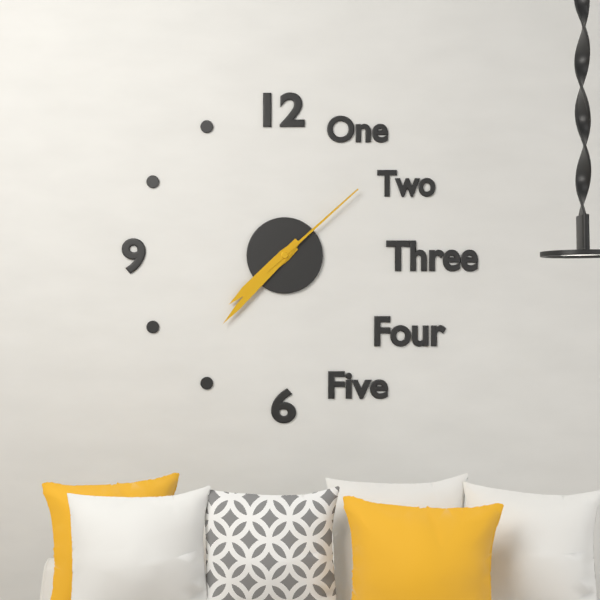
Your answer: **7:37:08**
